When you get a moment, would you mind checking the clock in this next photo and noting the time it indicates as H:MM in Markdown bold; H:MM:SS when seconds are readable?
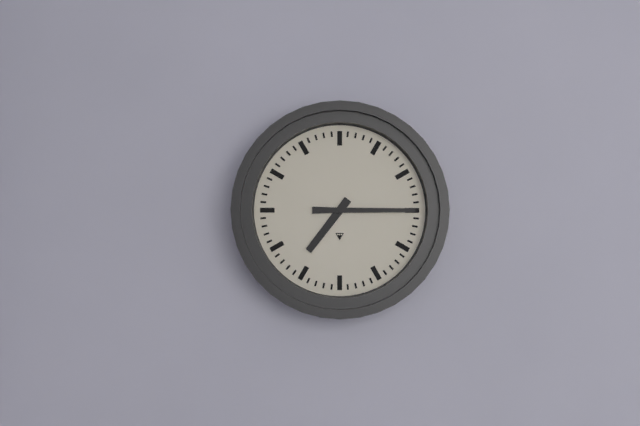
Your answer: **7:15**
